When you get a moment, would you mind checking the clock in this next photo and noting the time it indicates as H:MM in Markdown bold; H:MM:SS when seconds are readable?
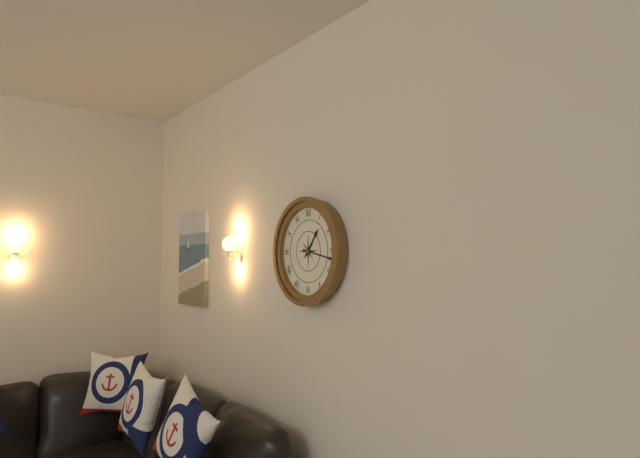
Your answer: **1:17**
